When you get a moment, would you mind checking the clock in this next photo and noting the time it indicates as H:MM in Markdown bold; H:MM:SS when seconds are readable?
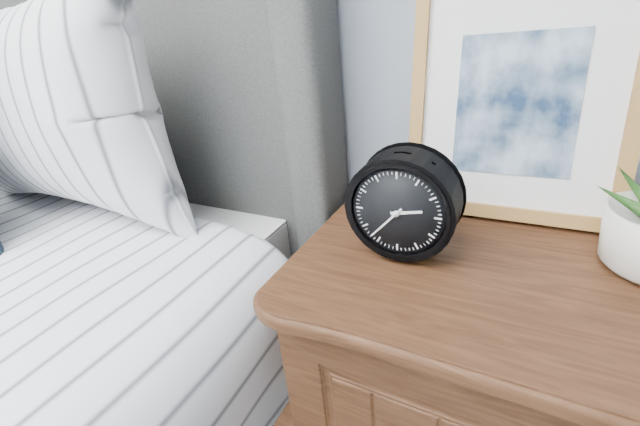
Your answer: **2:37**
